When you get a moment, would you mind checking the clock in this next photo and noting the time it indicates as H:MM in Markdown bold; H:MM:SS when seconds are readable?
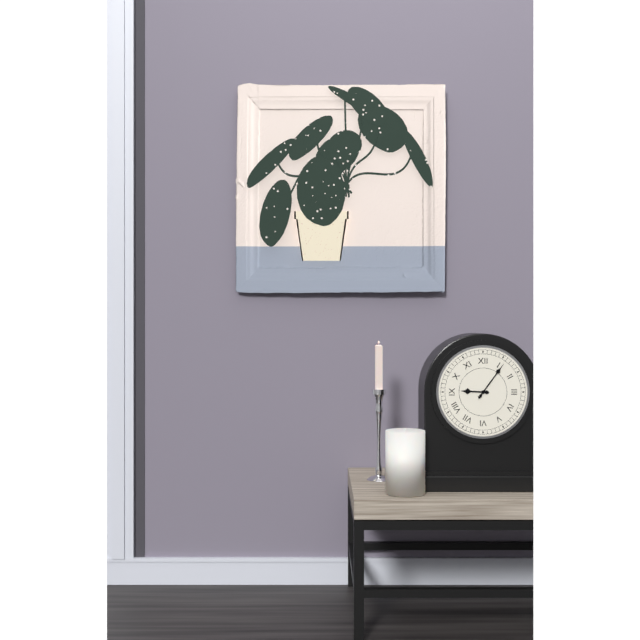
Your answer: **9:06**
